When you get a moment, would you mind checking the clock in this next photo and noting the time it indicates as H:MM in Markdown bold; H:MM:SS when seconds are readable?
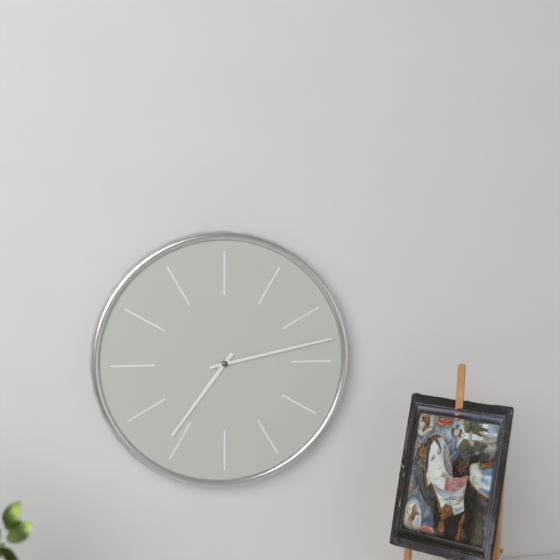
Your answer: **7:13**
